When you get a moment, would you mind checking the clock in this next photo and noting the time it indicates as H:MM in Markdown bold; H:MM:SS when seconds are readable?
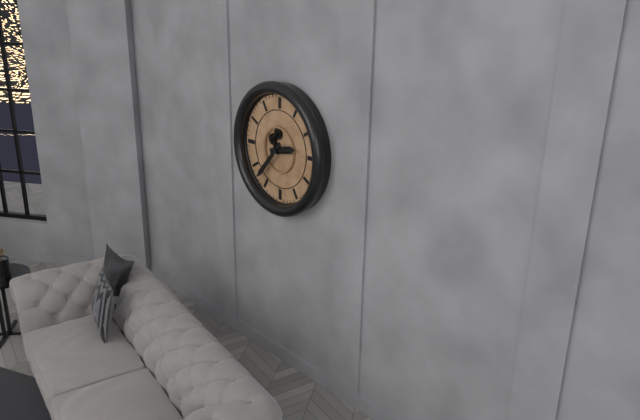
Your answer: **2:37**
